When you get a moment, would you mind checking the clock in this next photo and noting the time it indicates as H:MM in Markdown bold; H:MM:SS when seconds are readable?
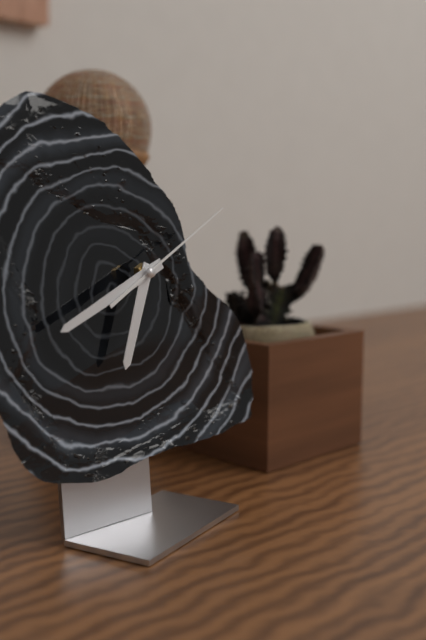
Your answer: **6:41:10**
